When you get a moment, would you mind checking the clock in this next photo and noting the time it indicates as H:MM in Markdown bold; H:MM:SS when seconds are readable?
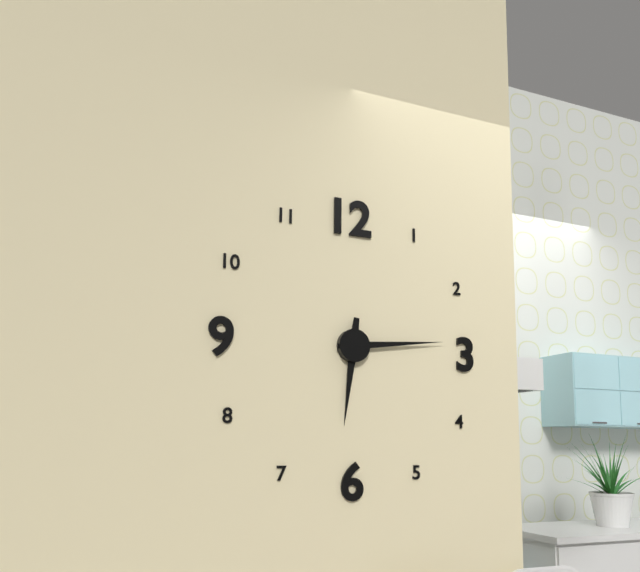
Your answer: **6:14**
